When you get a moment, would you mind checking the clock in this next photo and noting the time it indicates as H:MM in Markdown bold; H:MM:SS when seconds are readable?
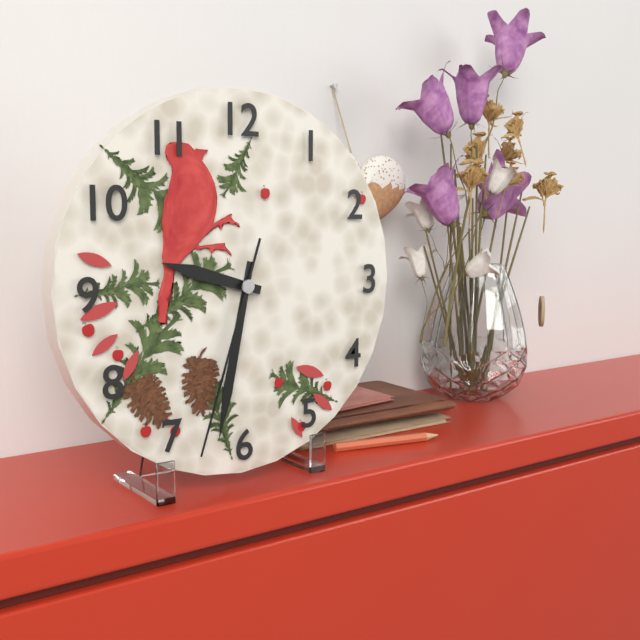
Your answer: **9:32:33**
